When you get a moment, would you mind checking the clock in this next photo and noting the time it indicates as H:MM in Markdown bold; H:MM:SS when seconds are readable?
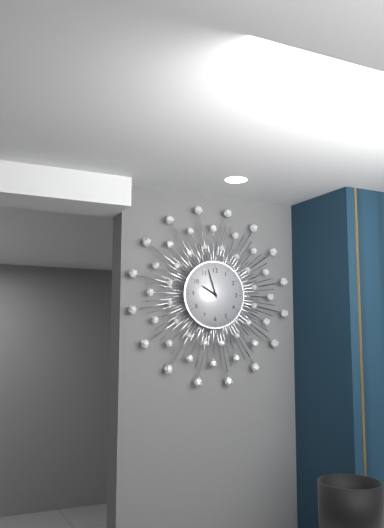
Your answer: **9:57**
